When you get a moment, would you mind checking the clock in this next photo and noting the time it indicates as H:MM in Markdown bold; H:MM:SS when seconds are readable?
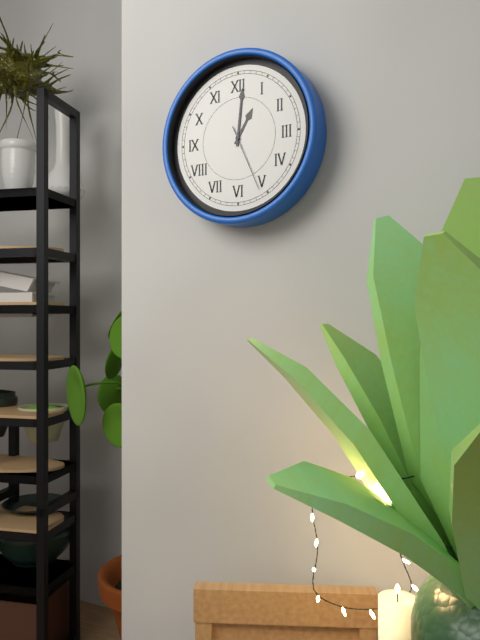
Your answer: **1:01:26**
